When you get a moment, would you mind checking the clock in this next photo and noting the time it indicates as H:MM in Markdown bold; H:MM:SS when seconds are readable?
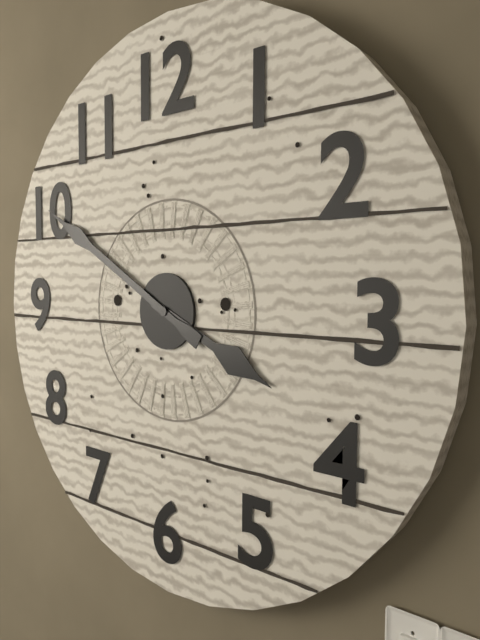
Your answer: **3:50**
